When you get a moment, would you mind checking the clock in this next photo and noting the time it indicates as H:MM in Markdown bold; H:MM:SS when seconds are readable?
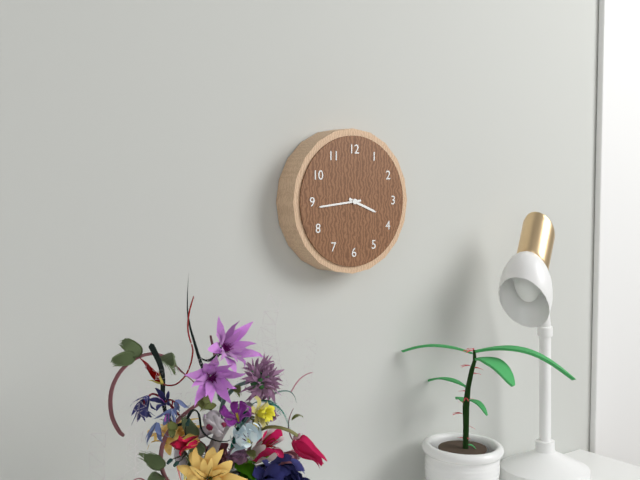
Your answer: **3:44**
